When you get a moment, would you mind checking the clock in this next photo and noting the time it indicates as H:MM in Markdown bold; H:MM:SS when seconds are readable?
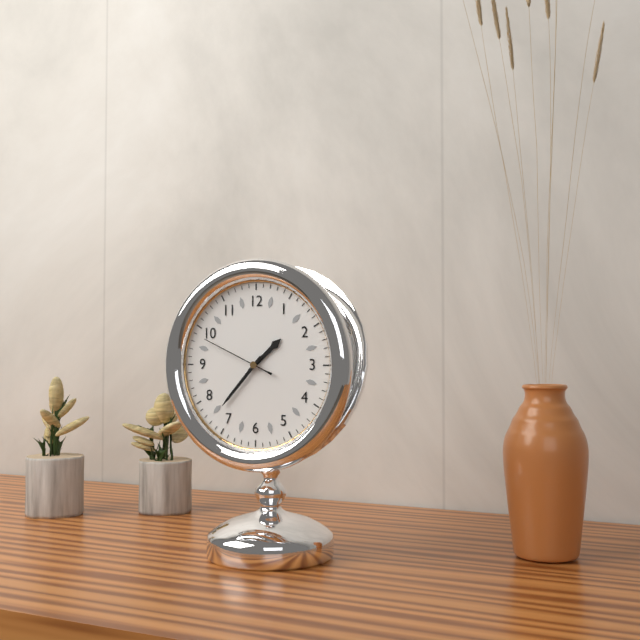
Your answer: **1:37:49**
